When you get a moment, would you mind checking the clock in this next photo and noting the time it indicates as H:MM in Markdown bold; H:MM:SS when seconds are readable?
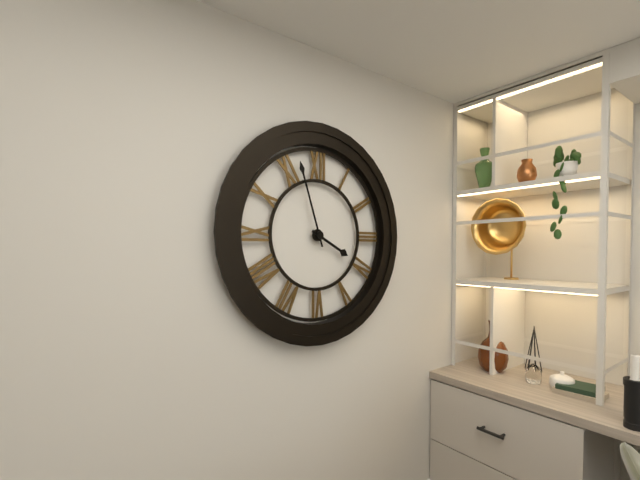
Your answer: **3:57**
